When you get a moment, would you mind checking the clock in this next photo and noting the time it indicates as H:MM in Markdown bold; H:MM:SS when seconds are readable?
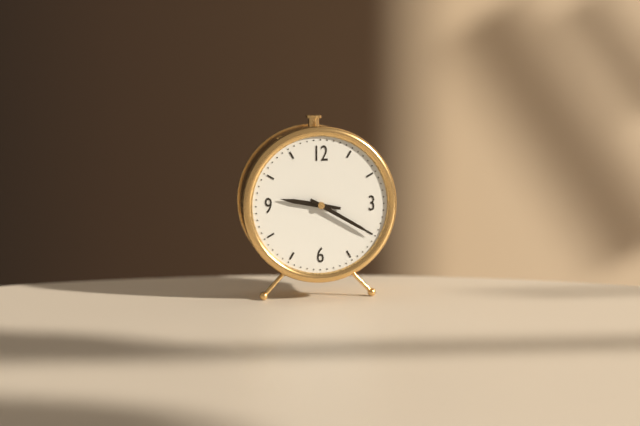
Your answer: **9:20**
